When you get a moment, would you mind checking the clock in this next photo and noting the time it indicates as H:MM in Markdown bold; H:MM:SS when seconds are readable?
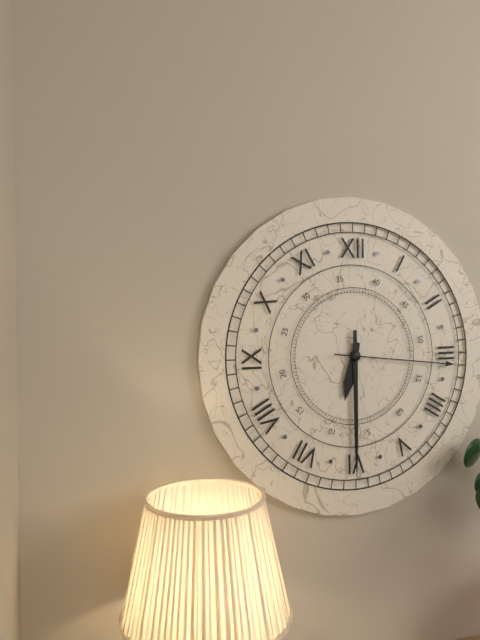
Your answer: **6:30:16**
